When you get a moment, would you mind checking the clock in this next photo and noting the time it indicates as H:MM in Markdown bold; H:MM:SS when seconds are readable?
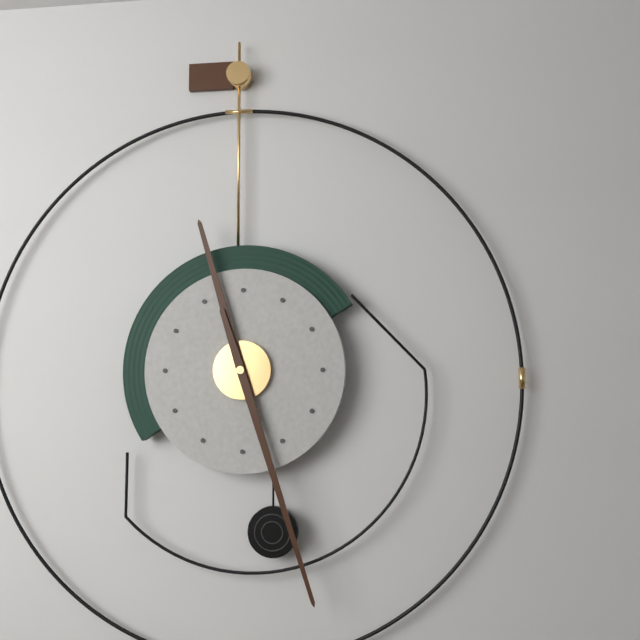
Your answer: **11:27**
